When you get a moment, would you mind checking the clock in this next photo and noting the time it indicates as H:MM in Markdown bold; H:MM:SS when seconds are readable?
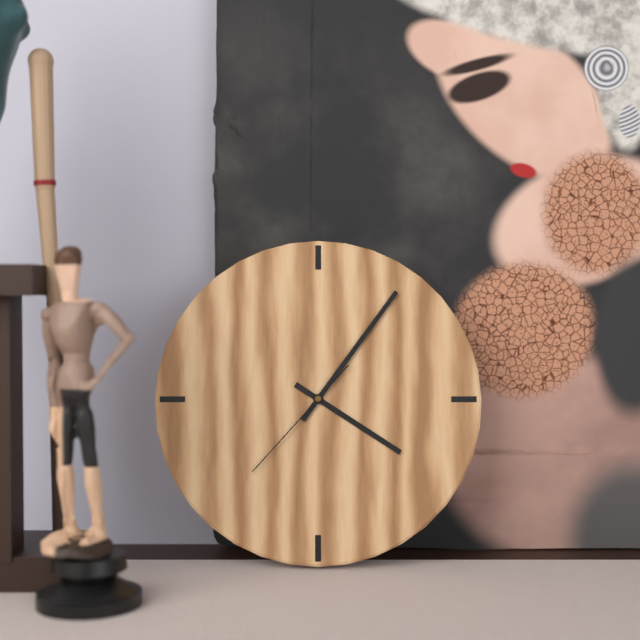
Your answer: **4:06:37**
